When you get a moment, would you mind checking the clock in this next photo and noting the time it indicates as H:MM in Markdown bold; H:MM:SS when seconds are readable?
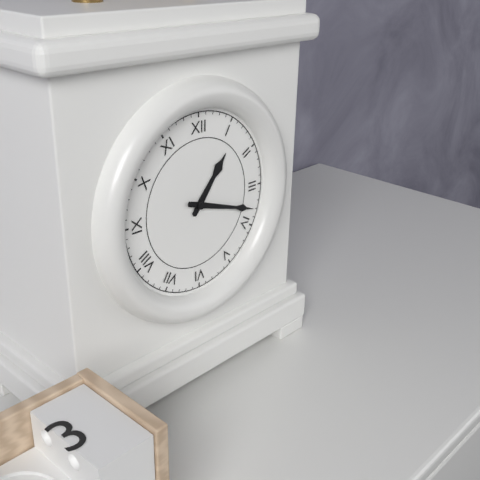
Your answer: **1:18**
